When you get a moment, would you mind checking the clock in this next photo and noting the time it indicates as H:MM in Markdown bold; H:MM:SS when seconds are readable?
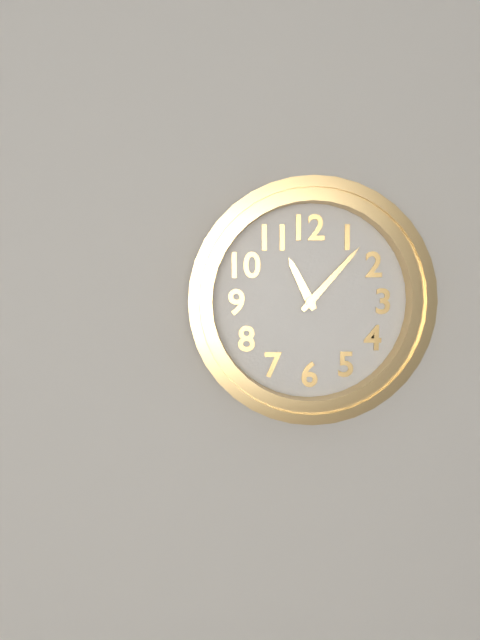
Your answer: **11:07**
